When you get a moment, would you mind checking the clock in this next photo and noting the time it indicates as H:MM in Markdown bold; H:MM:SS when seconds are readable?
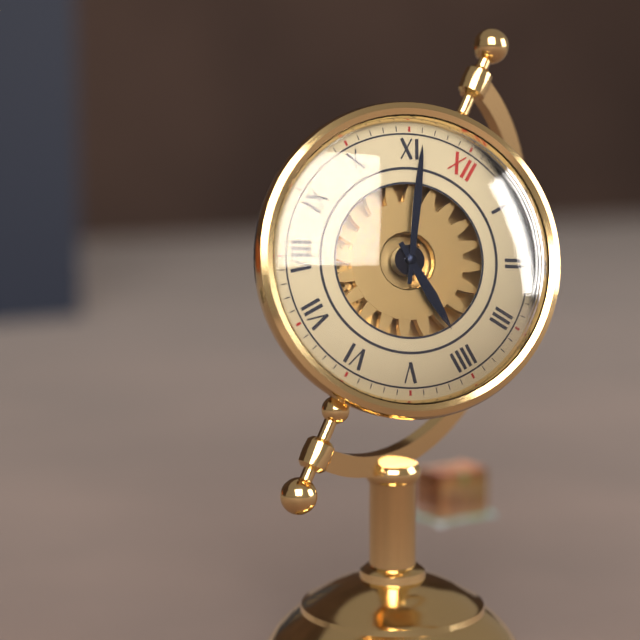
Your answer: **3:56**
